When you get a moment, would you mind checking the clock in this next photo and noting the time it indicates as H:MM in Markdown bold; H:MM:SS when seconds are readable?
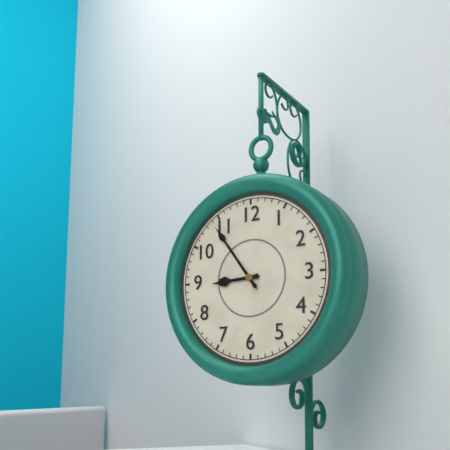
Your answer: **8:54**
